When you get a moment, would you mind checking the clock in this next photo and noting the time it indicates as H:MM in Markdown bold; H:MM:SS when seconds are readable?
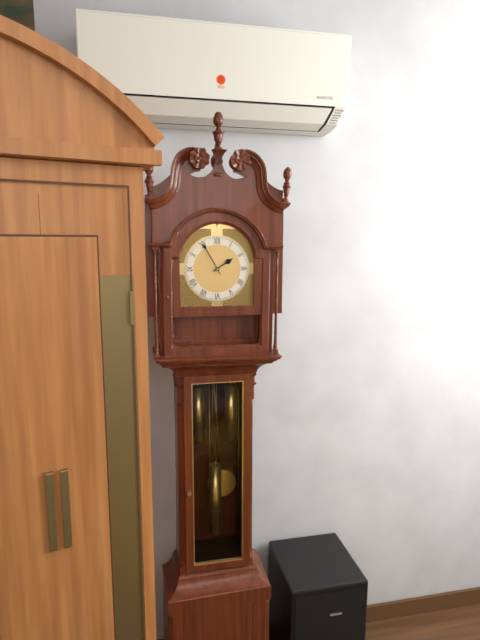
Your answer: **1:55**
